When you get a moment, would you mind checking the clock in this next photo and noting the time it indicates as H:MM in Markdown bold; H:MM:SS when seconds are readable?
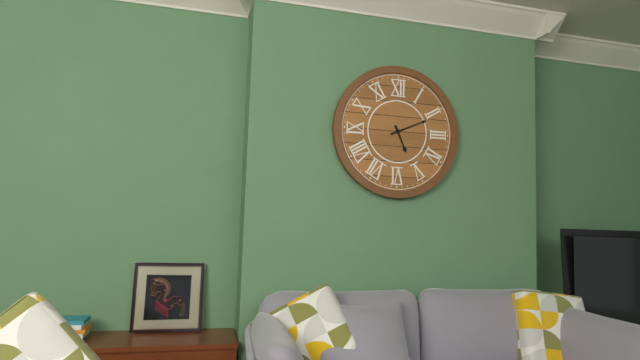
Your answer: **5:11**
